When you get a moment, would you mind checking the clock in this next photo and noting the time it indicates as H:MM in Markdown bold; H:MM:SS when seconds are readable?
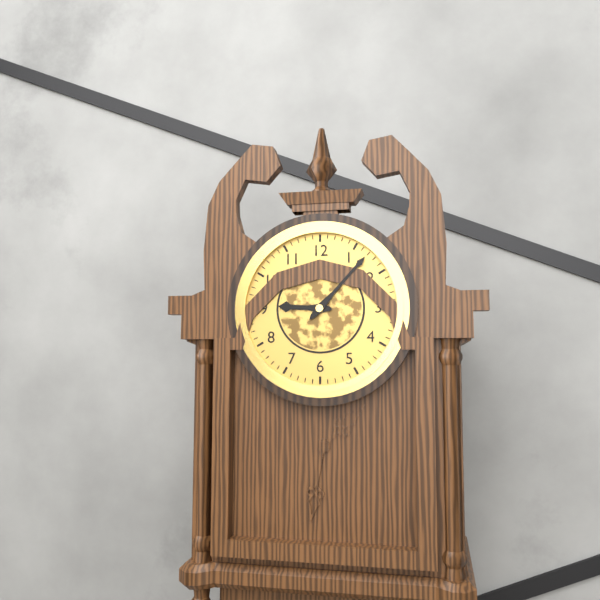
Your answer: **9:07**
